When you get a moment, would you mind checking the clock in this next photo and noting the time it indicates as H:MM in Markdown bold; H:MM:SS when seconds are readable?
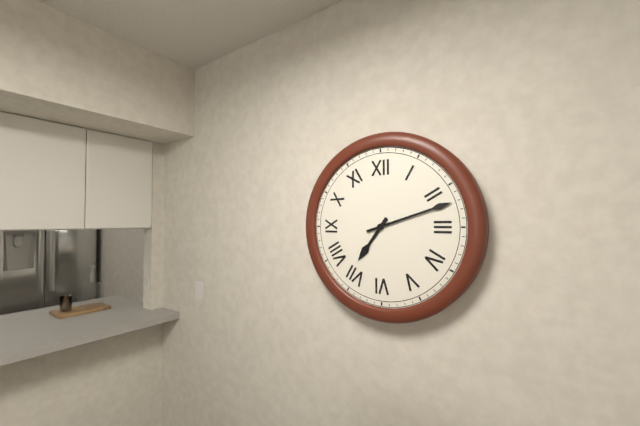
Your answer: **7:12**
